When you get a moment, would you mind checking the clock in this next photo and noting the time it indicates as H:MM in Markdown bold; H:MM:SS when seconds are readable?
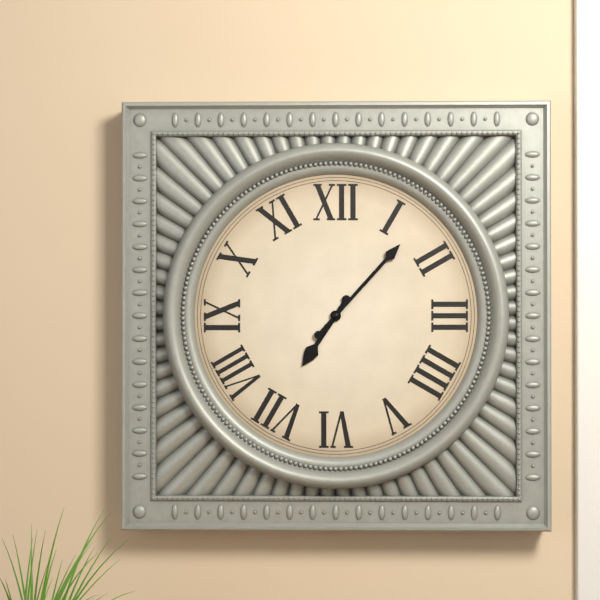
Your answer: **7:07**
